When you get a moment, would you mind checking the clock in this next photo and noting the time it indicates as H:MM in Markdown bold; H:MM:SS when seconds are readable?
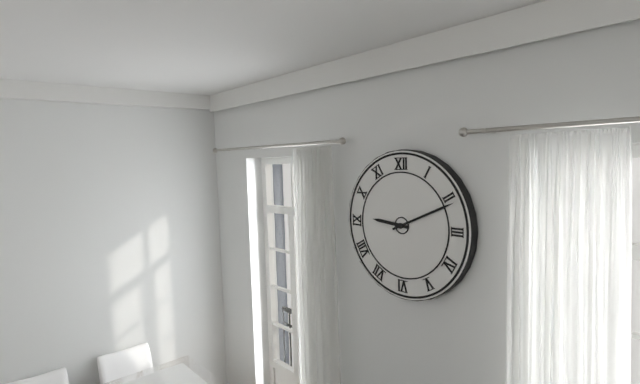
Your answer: **9:11**
